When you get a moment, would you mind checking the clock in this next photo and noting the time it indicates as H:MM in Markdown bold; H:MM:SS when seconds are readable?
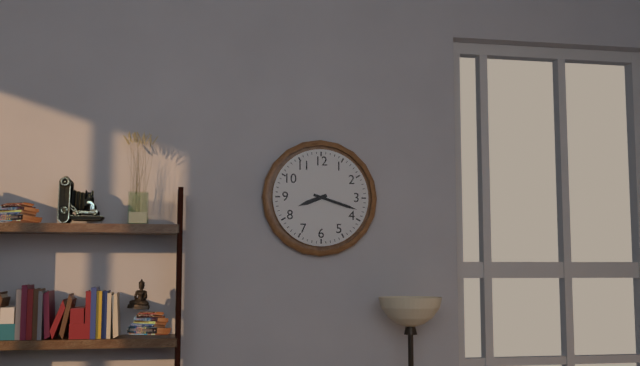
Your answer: **8:18**
